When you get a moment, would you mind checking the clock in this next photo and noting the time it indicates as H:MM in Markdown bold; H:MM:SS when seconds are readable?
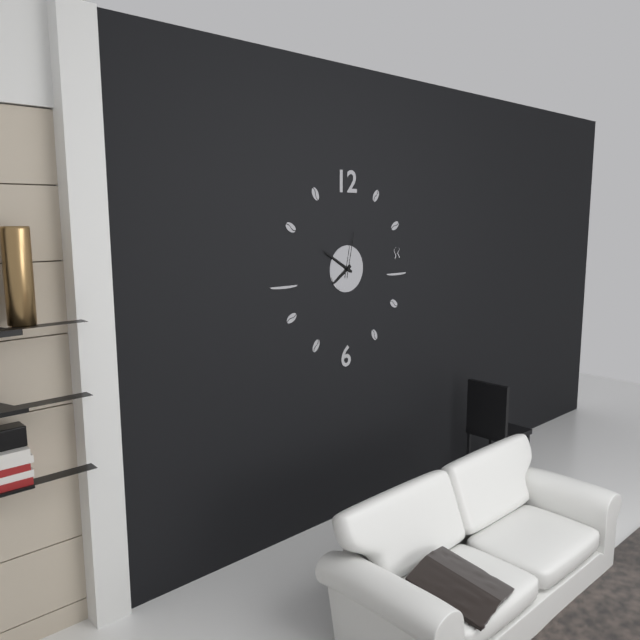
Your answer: **7:50**
